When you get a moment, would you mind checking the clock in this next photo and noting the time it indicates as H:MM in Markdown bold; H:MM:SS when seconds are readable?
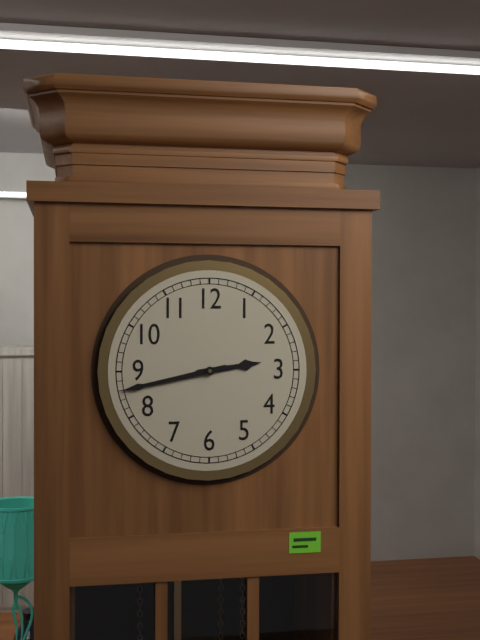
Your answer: **2:43**
